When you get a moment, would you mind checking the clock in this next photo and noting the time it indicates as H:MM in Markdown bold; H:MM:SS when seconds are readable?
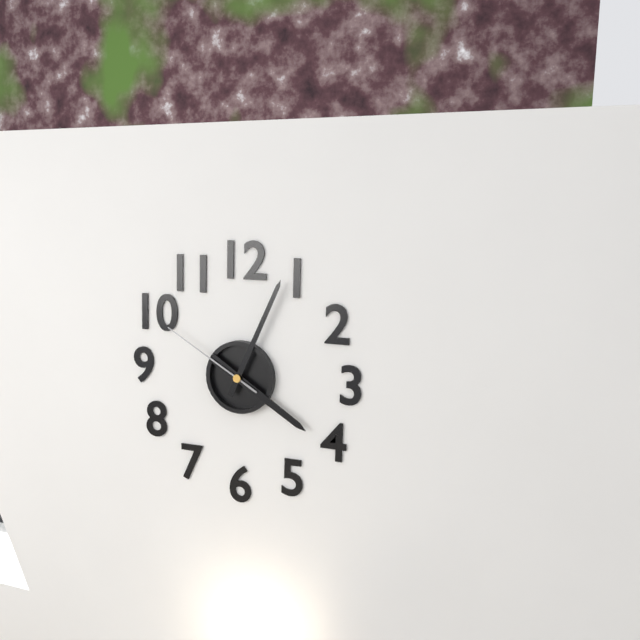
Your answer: **4:04:50**
